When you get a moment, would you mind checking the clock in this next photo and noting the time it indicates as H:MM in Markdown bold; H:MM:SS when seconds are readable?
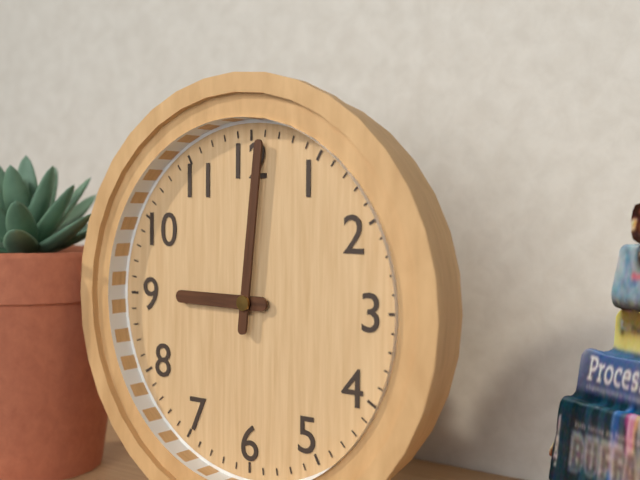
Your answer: **9:01**
